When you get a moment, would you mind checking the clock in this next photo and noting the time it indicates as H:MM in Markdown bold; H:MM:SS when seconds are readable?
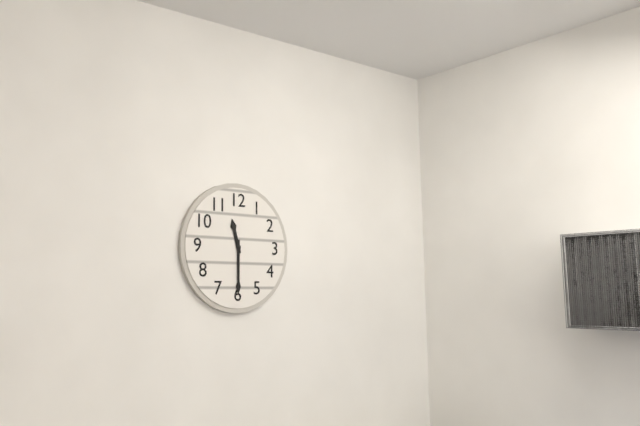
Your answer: **11:30**
